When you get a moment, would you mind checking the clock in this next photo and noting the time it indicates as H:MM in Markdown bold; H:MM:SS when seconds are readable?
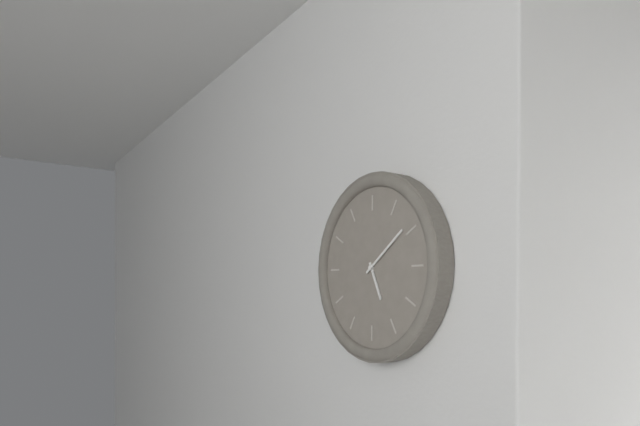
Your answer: **5:09**
